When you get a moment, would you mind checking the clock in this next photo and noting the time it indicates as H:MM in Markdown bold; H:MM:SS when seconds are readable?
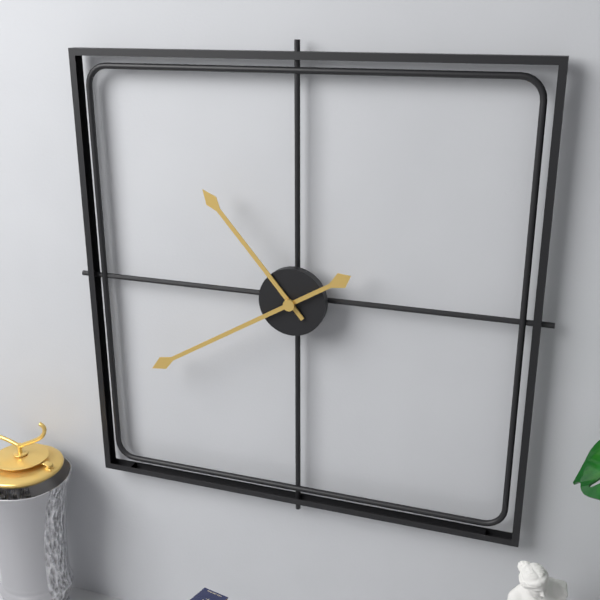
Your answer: **10:40**
